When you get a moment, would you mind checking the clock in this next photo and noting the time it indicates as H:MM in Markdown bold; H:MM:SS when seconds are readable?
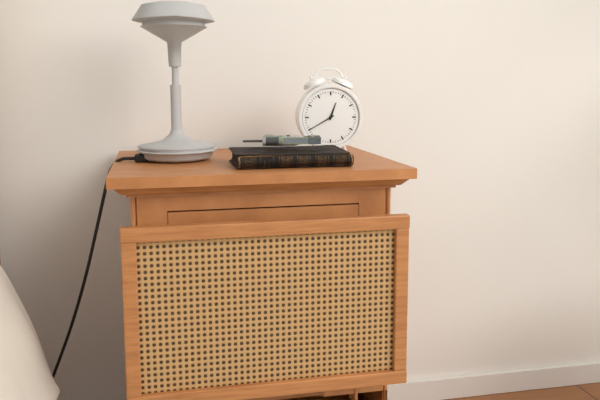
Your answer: **12:40**
